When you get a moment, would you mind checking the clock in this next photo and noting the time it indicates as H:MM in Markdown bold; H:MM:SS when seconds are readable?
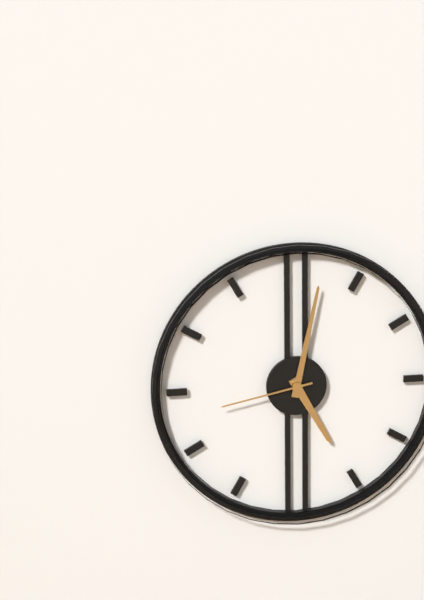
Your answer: **5:02:43**
